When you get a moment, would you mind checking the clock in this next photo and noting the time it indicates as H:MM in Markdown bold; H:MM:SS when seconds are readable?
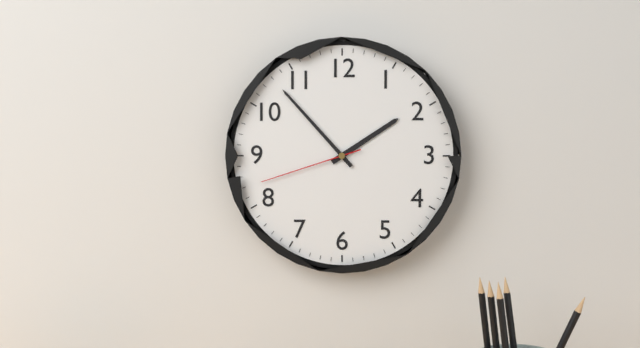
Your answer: **1:53:42**
